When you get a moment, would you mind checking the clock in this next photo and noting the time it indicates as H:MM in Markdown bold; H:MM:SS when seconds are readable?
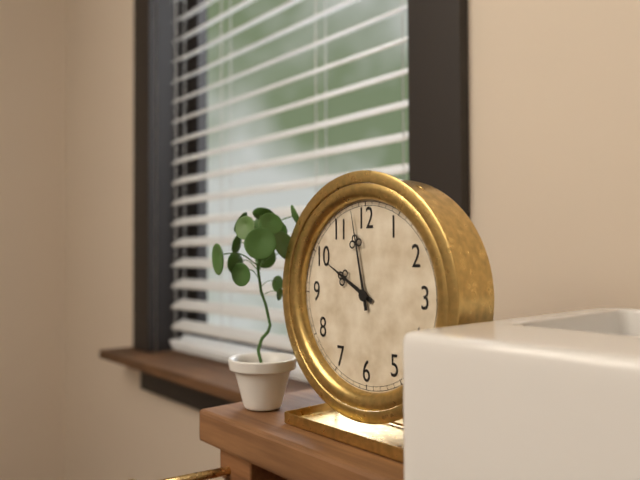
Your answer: **9:58**
